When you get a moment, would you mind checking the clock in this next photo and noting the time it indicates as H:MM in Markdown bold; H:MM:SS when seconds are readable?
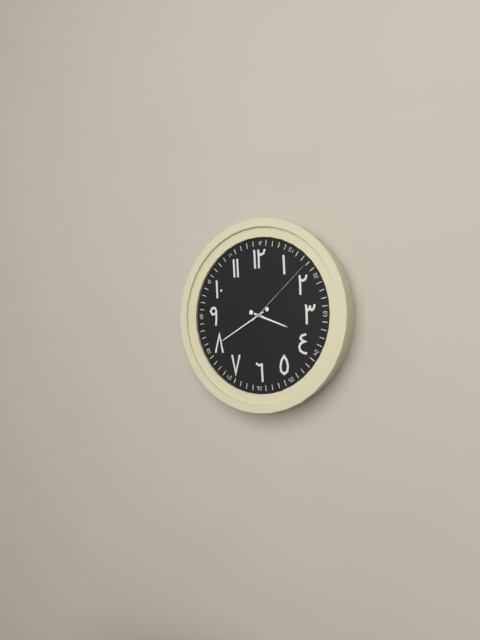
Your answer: **3:40:08**
